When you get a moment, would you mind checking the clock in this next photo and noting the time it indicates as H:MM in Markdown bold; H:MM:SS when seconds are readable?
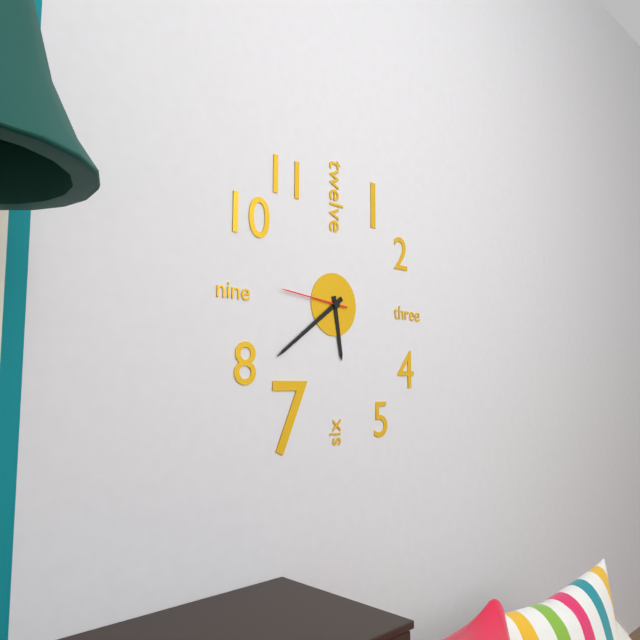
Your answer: **5:39:46**
